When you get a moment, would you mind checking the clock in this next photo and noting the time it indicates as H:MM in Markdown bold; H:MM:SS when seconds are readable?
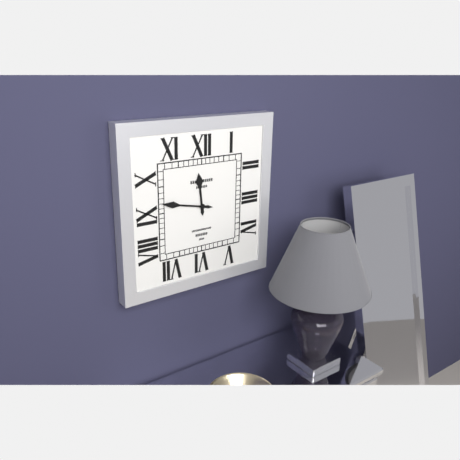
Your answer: **11:47**
